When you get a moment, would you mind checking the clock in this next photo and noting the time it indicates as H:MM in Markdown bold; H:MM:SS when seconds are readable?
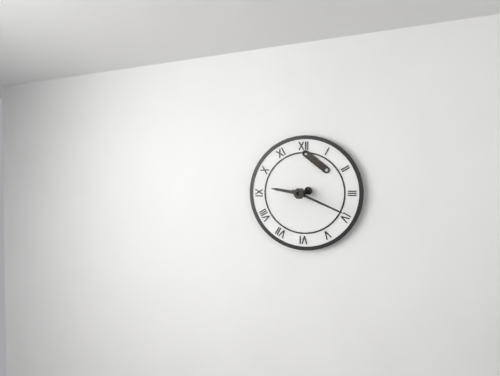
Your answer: **9:19**
